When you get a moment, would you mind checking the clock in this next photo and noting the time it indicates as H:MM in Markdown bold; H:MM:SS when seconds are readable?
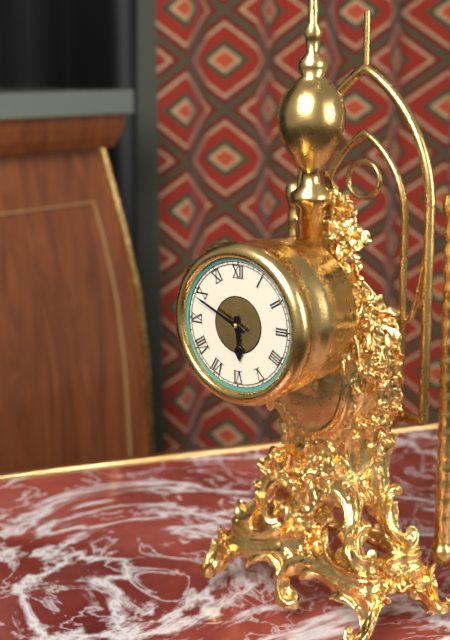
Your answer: **5:49**
